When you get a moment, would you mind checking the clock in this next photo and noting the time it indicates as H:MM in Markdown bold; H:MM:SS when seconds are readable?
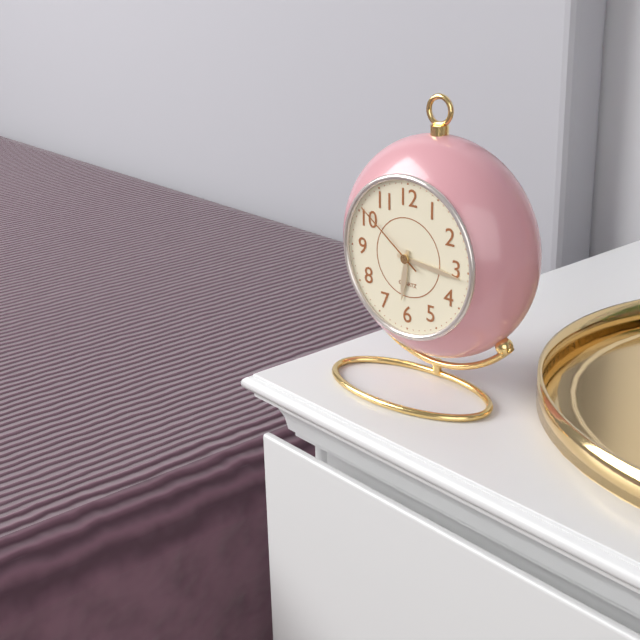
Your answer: **6:16:51**
